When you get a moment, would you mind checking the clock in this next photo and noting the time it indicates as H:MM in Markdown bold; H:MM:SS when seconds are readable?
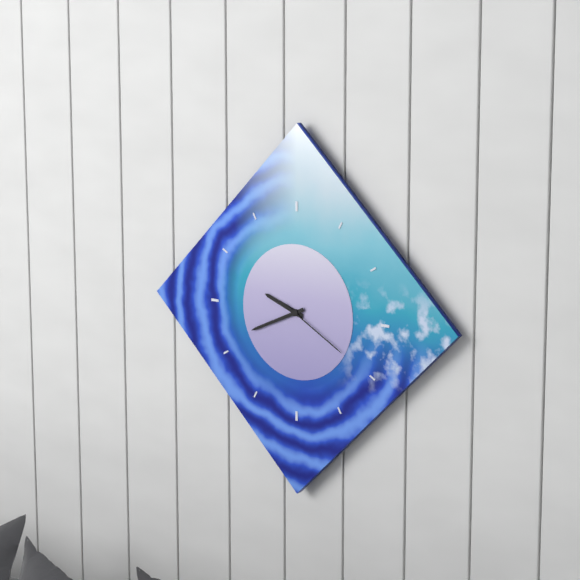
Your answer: **9:41:20**
